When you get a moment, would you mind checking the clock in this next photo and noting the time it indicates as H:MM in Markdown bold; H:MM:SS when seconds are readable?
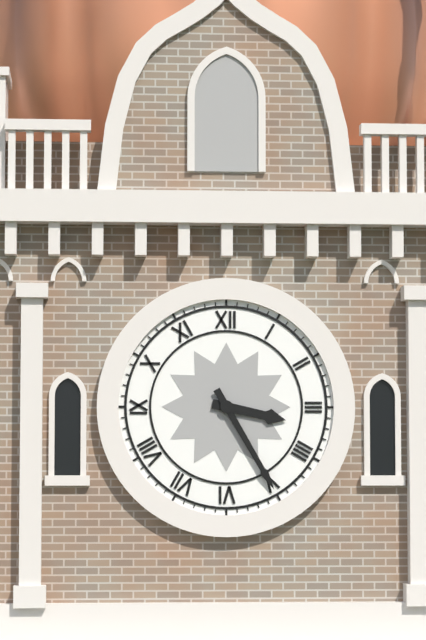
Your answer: **3:25**
